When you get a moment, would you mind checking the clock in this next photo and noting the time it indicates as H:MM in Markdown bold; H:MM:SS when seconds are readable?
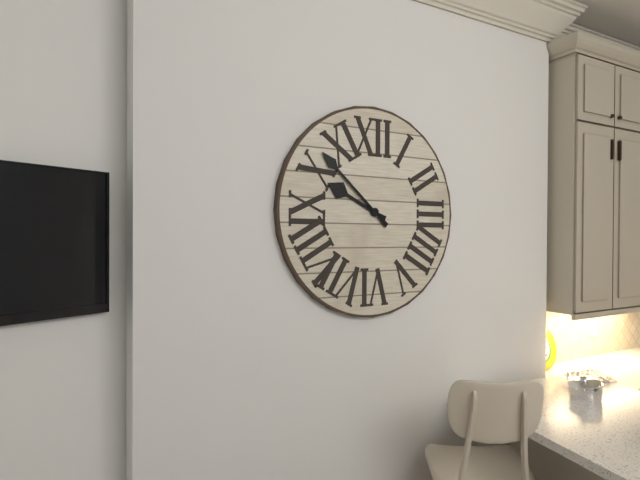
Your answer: **9:52**
